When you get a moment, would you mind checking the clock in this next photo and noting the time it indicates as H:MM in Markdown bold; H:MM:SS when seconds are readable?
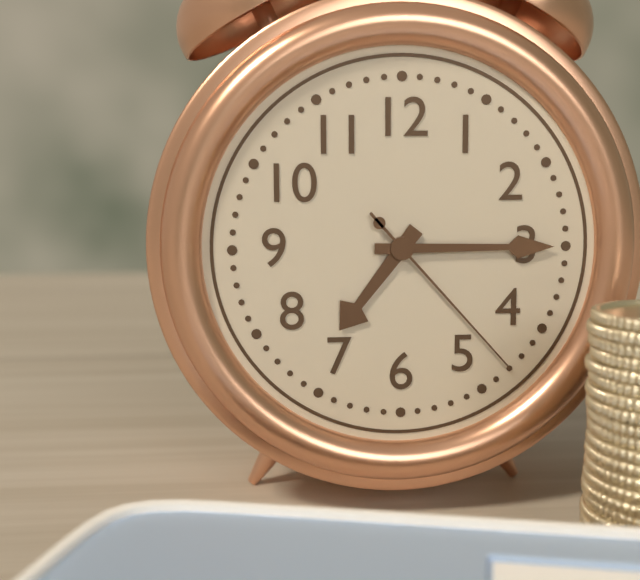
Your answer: **7:15:23**
